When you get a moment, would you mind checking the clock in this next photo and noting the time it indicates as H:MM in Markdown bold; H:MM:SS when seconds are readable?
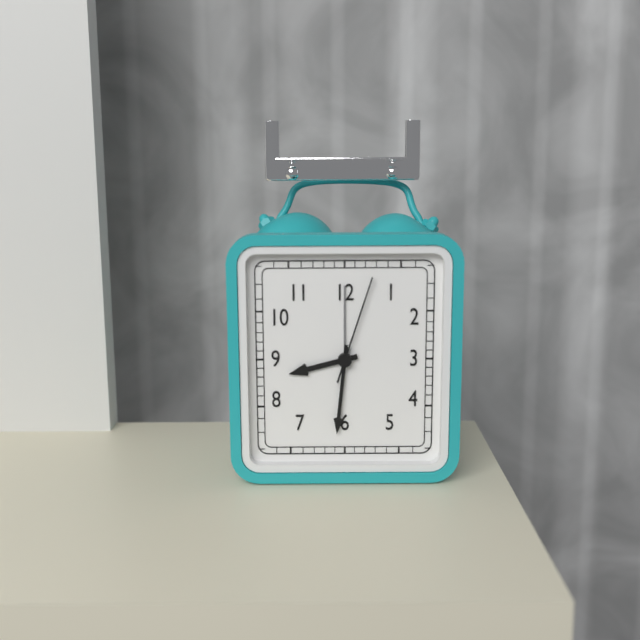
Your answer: **8:31:03**
